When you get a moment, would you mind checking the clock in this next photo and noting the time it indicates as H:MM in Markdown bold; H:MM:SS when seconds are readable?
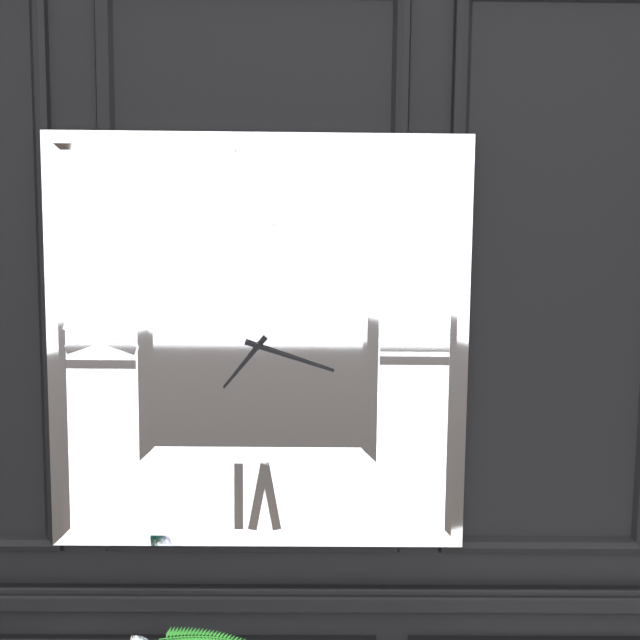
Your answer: **7:18**
